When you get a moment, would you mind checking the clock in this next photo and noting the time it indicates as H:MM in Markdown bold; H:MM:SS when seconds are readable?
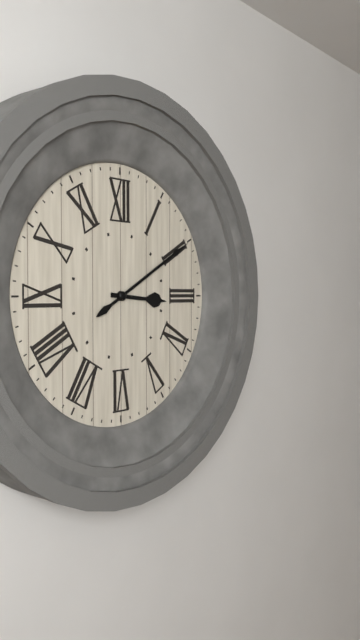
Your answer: **3:10**
